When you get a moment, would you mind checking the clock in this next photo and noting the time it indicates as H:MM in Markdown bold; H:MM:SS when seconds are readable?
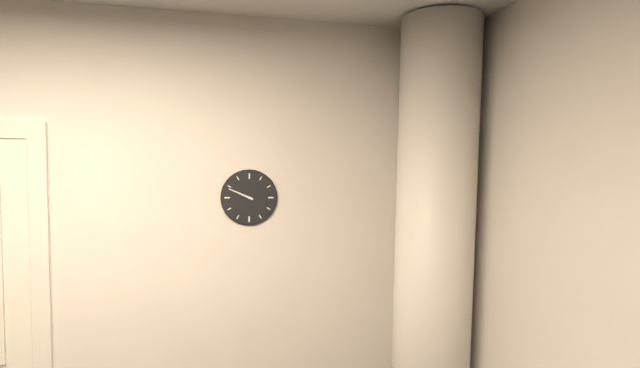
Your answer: **9:49**
